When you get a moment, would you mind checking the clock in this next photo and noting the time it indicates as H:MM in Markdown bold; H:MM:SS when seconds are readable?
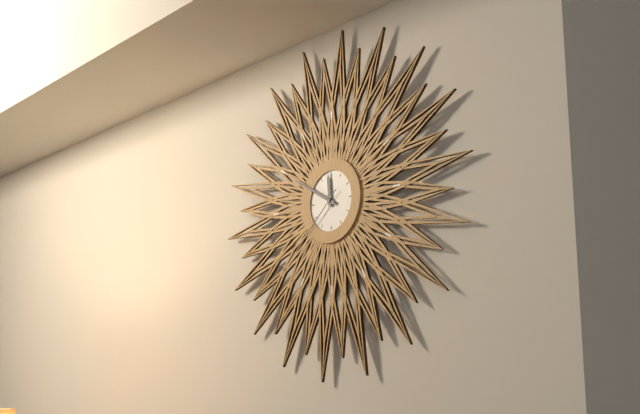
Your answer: **11:50:38**
